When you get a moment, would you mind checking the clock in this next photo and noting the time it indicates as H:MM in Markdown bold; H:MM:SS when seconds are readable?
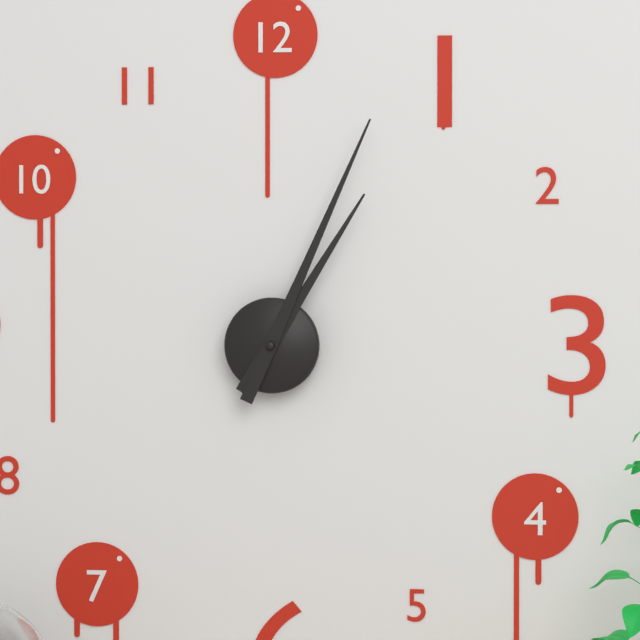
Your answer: **1:04**
